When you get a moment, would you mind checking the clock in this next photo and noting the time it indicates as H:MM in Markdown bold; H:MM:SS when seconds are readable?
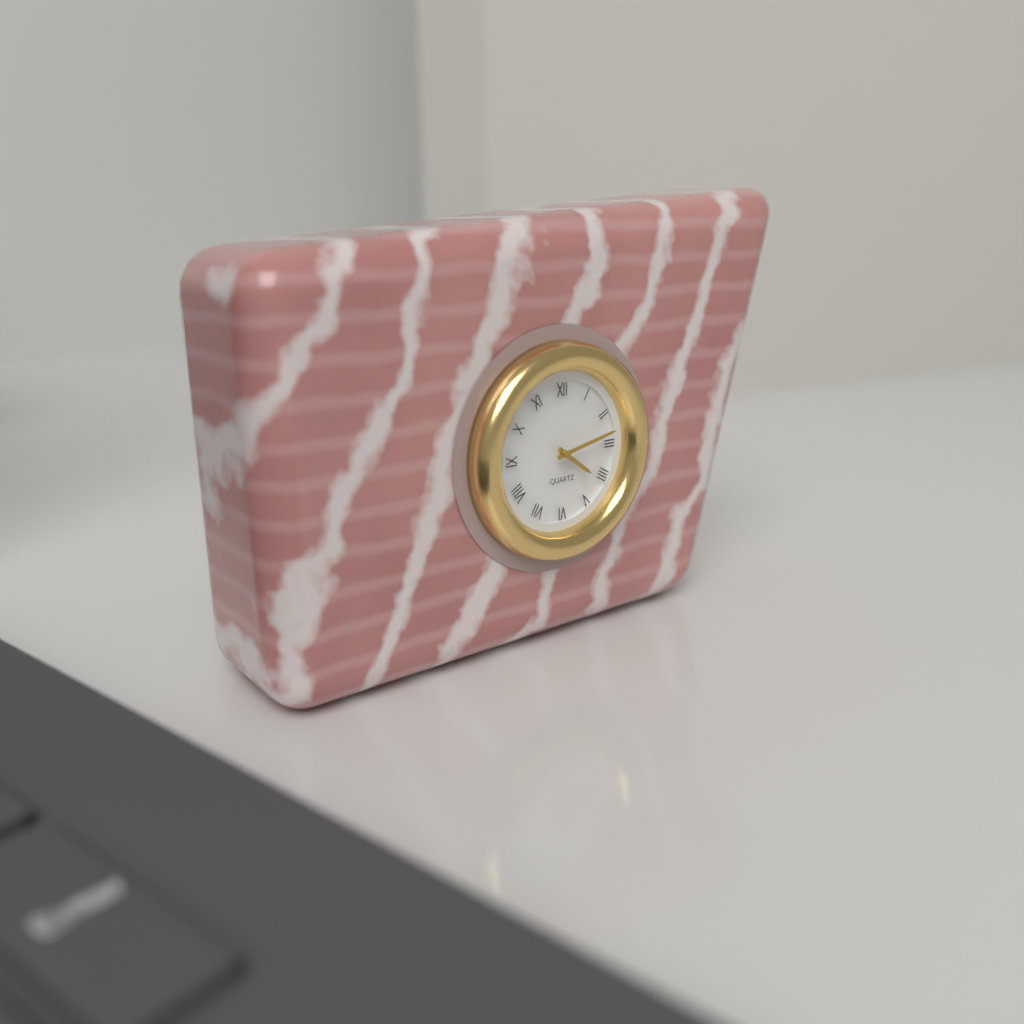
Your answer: **4:13**
